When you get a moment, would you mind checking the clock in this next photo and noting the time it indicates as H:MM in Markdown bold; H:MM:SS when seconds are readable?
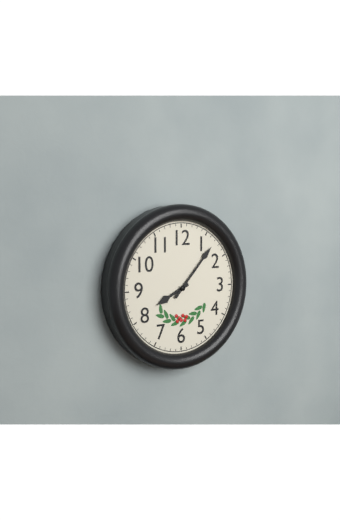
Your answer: **8:07**
